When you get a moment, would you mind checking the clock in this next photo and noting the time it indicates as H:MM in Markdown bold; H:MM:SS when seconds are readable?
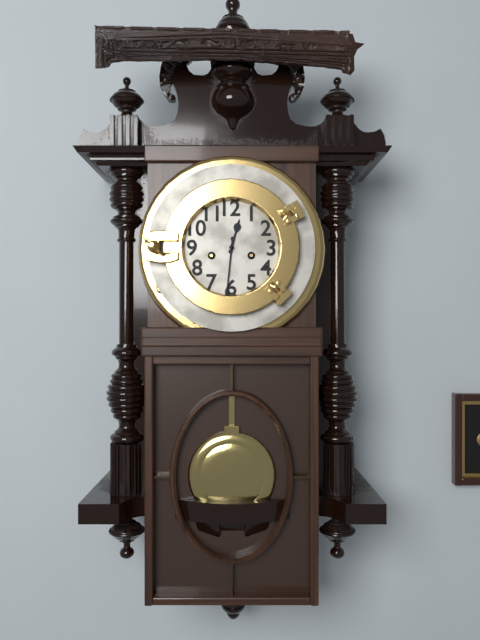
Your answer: **12:31**
